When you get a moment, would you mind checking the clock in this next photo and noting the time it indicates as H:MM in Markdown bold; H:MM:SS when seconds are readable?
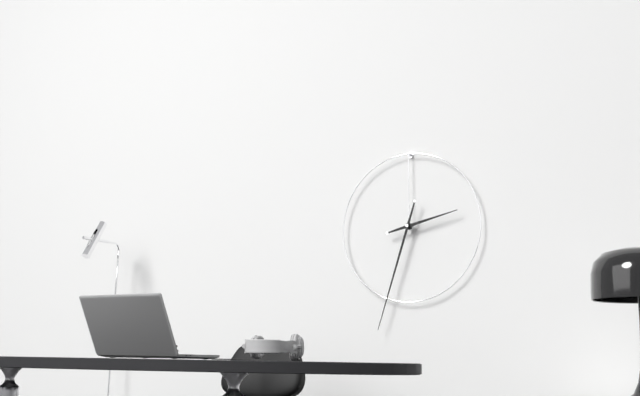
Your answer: **2:33**
